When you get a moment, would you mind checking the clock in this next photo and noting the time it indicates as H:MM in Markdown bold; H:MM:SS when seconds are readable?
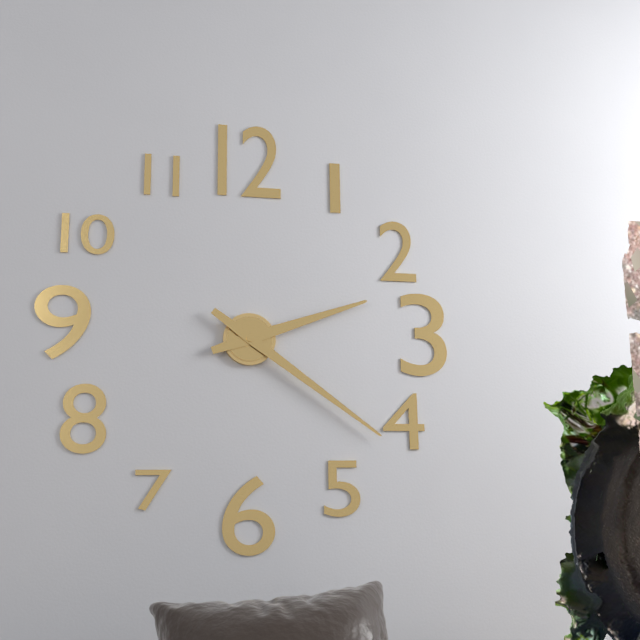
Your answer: **2:21**
